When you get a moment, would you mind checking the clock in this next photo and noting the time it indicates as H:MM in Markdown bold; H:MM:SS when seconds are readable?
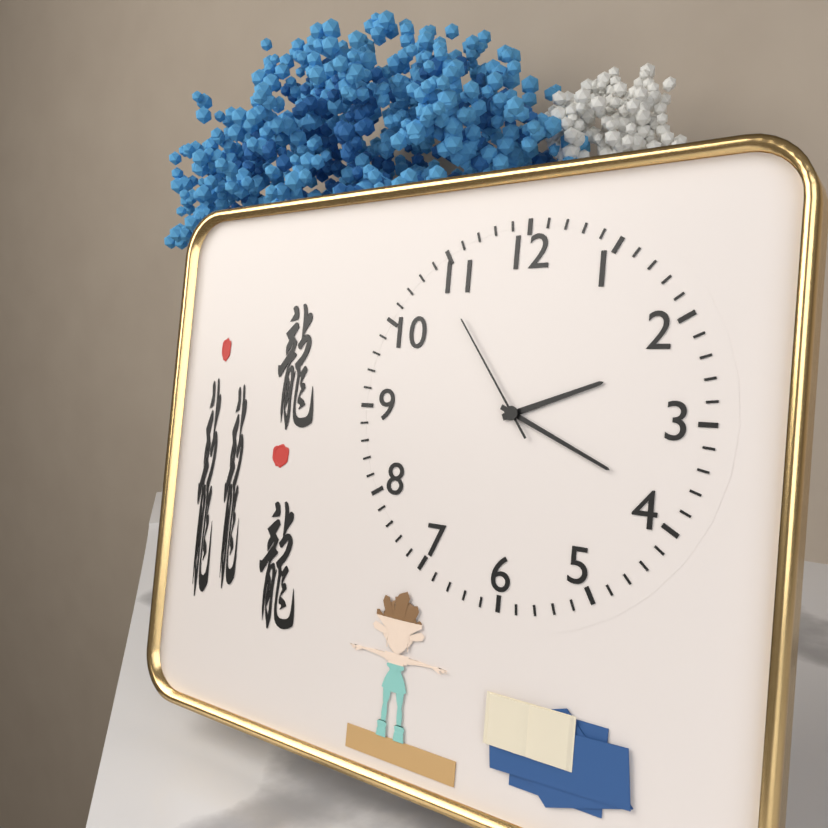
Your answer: **2:19:54**
